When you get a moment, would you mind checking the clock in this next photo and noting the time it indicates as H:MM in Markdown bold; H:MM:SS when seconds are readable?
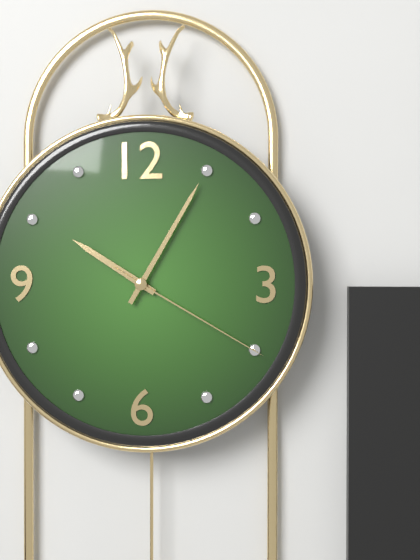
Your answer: **10:05:20**
